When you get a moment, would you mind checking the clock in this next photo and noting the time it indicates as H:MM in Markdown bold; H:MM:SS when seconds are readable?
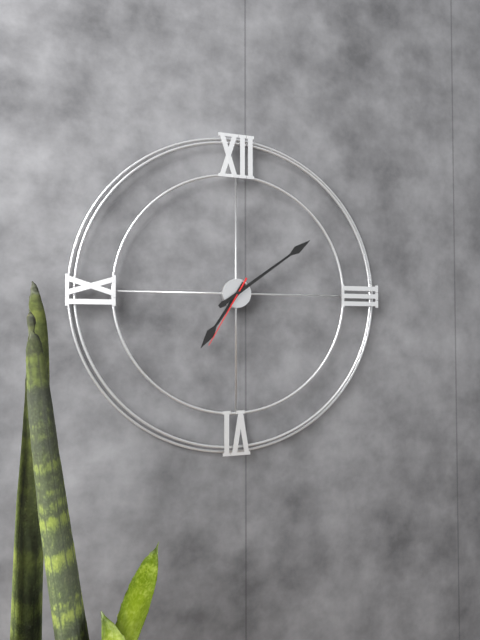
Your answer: **7:09:35**
